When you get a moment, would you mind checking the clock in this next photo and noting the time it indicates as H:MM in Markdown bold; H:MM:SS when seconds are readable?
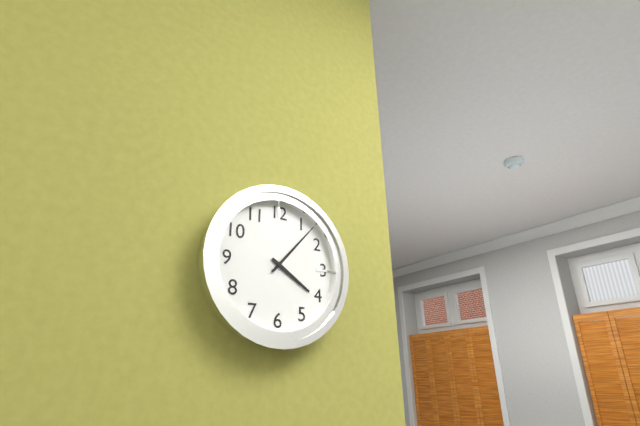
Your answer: **4:07**
